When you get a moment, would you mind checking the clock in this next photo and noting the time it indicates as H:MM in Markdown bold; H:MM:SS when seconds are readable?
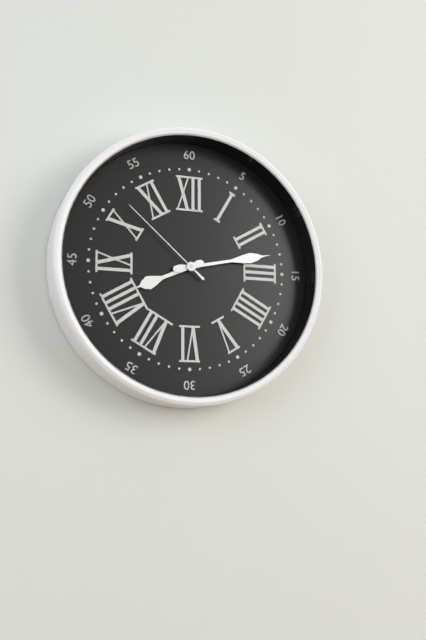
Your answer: **8:13:52**
